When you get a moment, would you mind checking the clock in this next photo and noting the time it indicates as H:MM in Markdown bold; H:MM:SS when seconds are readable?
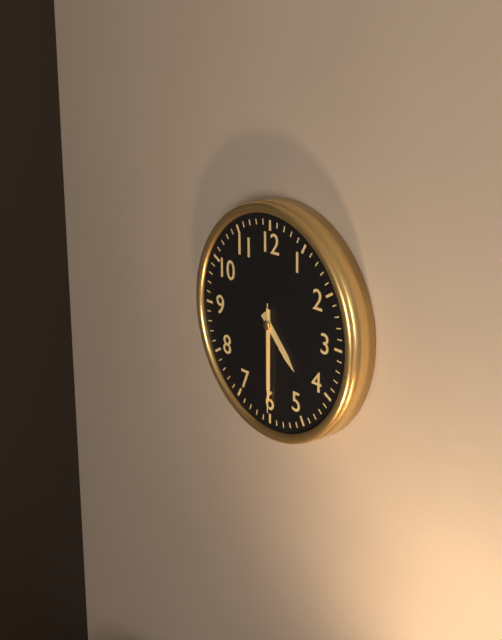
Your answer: **4:30:30**
